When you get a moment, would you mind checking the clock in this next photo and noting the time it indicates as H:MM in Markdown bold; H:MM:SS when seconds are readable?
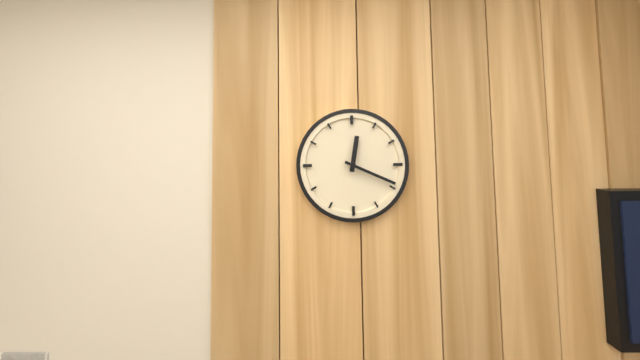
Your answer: **12:19**
